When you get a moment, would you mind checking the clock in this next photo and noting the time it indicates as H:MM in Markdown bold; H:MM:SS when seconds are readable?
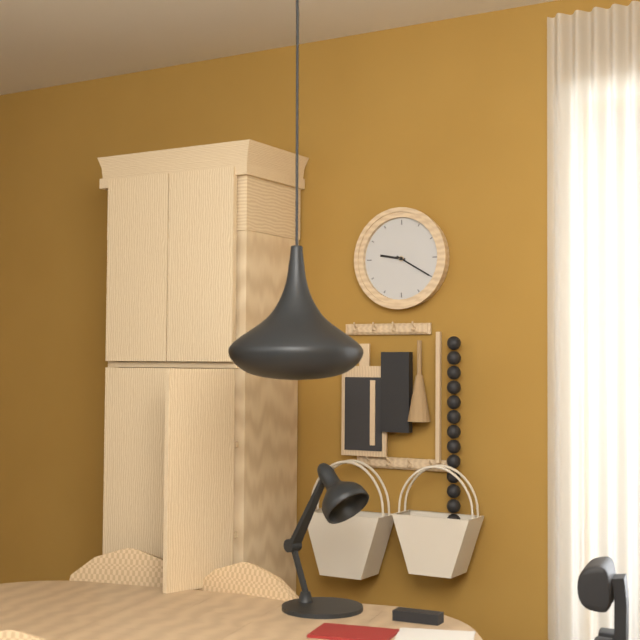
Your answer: **9:20**
